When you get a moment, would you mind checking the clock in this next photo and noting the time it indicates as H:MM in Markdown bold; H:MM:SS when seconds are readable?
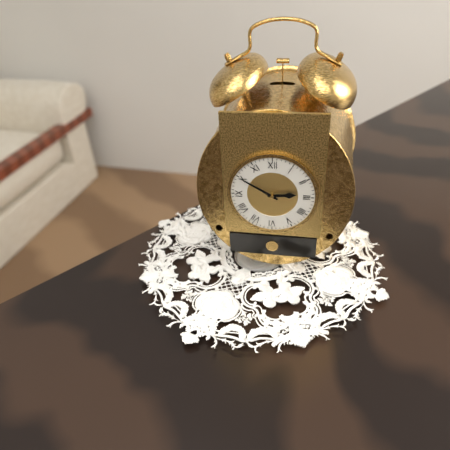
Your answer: **2:50**
